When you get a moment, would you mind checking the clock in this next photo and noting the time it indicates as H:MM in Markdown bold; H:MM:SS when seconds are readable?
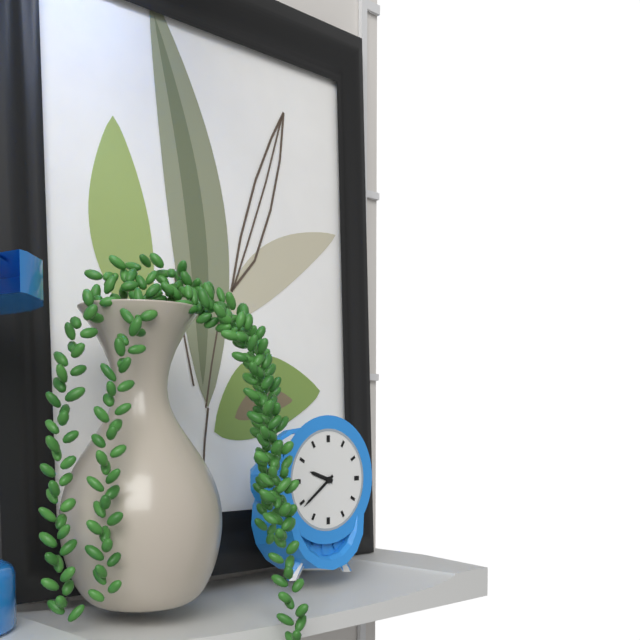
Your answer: **9:39**
